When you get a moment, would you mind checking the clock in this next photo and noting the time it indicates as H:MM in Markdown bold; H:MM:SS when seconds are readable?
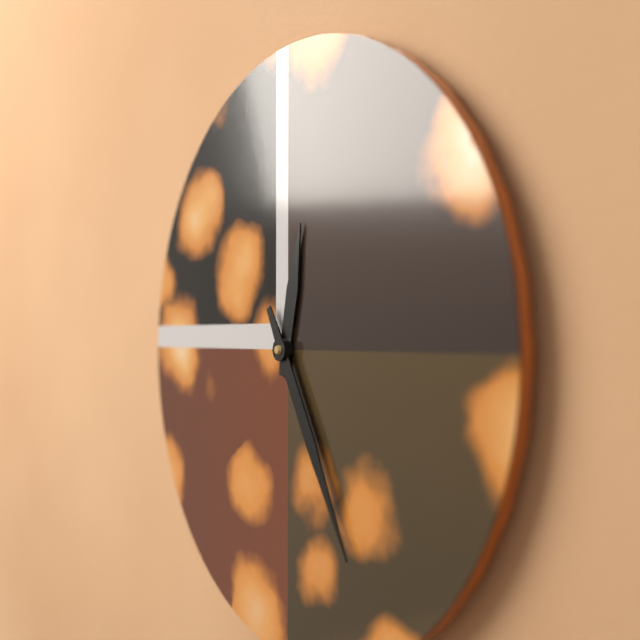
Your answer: **12:25**
